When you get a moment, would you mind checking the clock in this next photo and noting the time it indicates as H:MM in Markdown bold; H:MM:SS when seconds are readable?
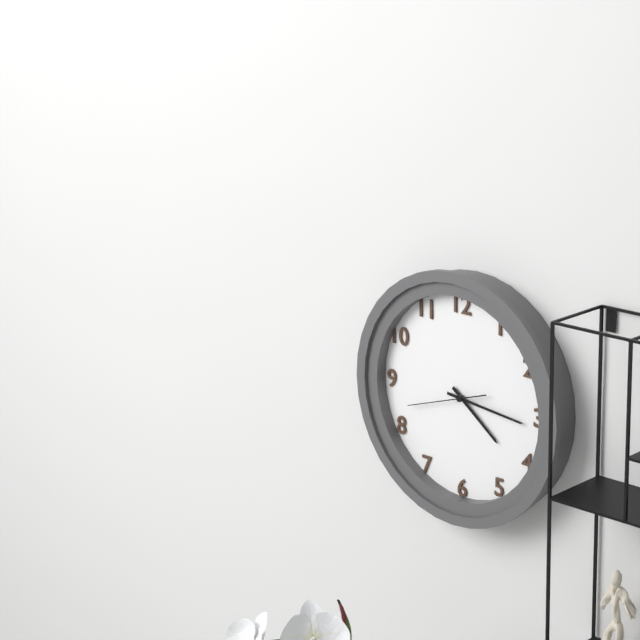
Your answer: **4:16:42**
